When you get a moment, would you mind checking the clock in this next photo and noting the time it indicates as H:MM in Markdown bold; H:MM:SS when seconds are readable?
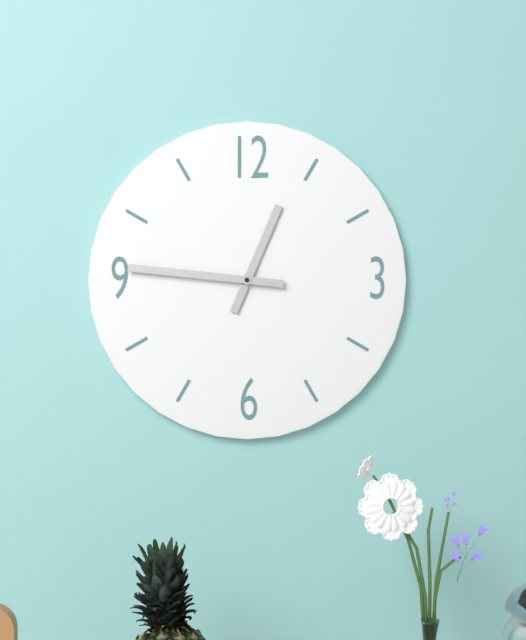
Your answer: **12:46**
